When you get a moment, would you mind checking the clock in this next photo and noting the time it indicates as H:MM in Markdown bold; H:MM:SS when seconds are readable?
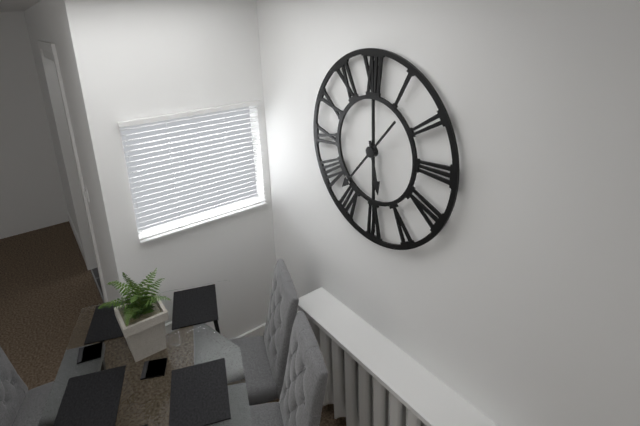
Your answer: **5:37**
